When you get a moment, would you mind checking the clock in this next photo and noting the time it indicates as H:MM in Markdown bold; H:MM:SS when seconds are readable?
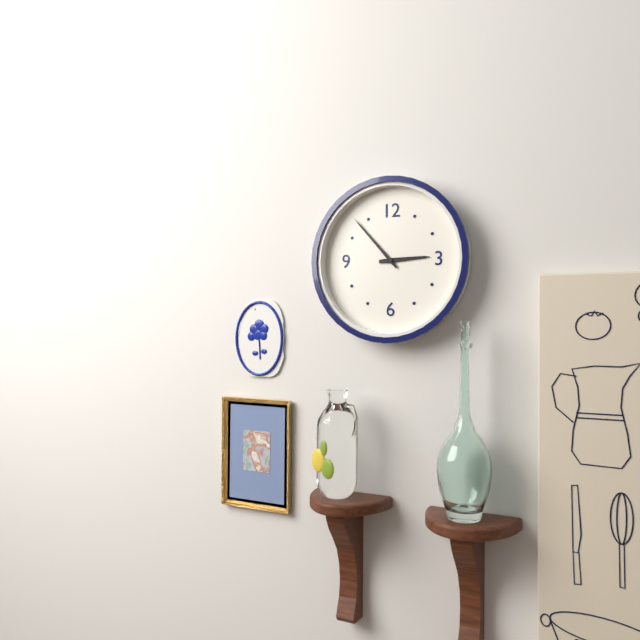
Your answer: **2:53**
